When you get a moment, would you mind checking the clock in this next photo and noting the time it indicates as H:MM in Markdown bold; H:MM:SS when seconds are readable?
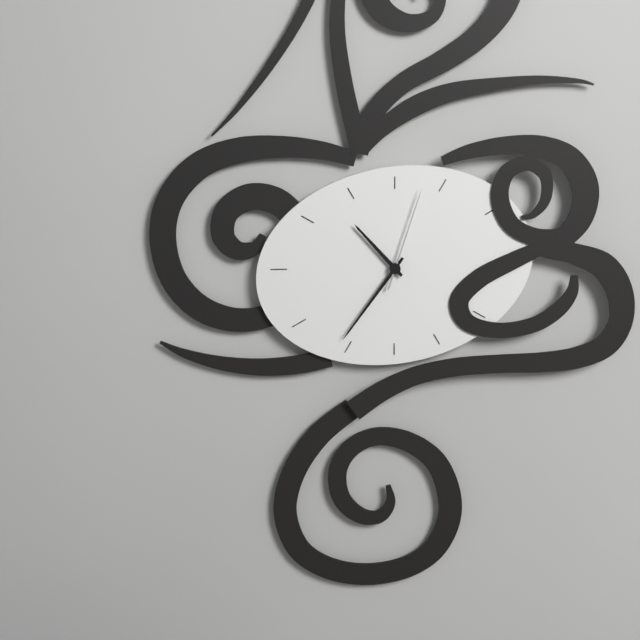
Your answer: **10:36:03**
